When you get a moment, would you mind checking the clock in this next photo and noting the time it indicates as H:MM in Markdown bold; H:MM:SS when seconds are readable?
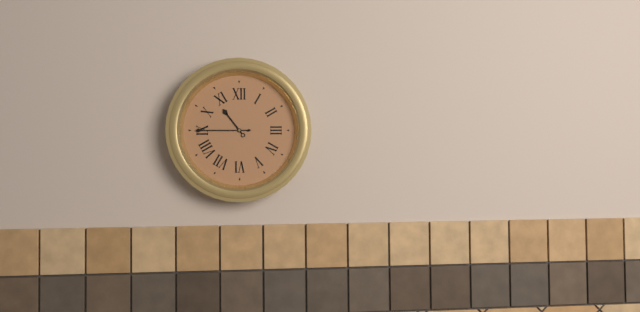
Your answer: **10:45**
